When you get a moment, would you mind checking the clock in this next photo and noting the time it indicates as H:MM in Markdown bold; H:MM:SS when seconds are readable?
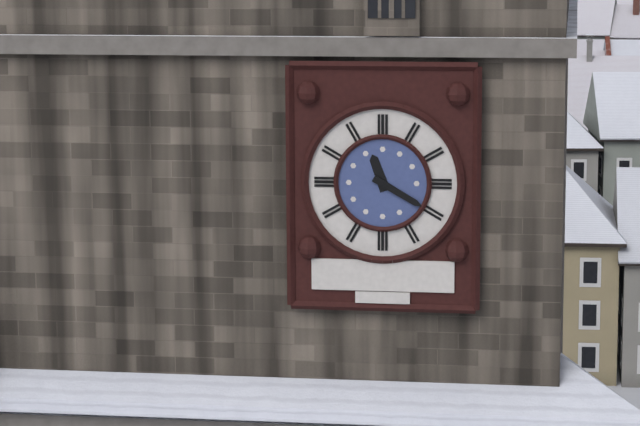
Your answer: **11:20**
